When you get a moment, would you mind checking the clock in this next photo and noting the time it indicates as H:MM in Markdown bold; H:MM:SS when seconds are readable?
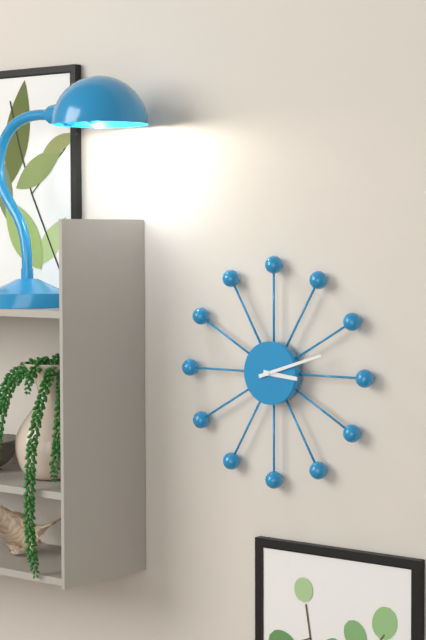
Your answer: **3:12**
